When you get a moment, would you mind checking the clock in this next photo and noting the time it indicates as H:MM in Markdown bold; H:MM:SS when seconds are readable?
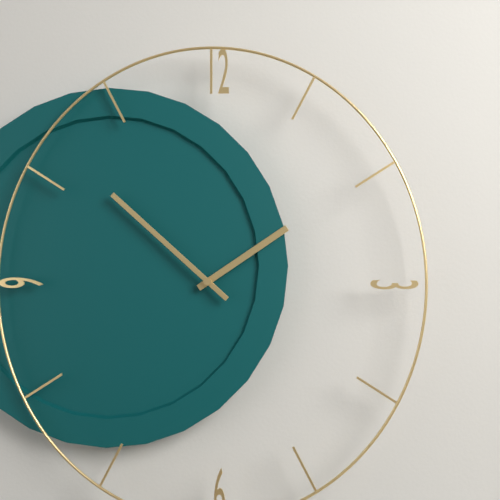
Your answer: **1:52**
